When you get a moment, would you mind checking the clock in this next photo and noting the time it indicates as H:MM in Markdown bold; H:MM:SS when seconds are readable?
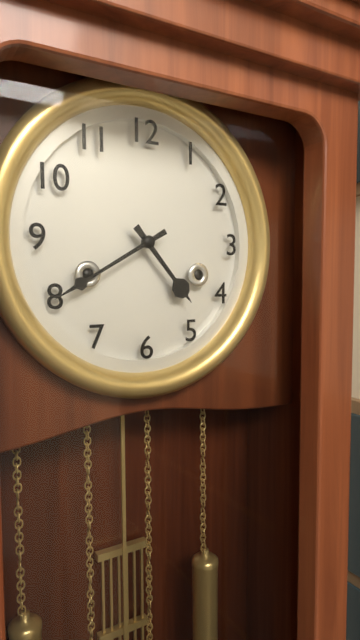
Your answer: **4:40**
